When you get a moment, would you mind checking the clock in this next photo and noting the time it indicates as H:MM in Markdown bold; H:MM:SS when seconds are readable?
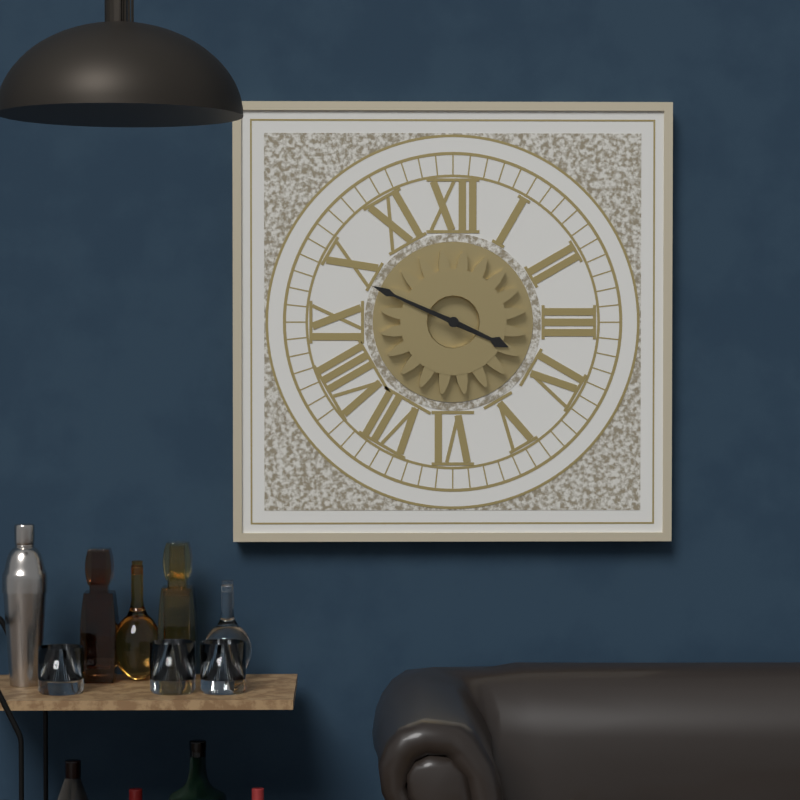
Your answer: **3:49**
